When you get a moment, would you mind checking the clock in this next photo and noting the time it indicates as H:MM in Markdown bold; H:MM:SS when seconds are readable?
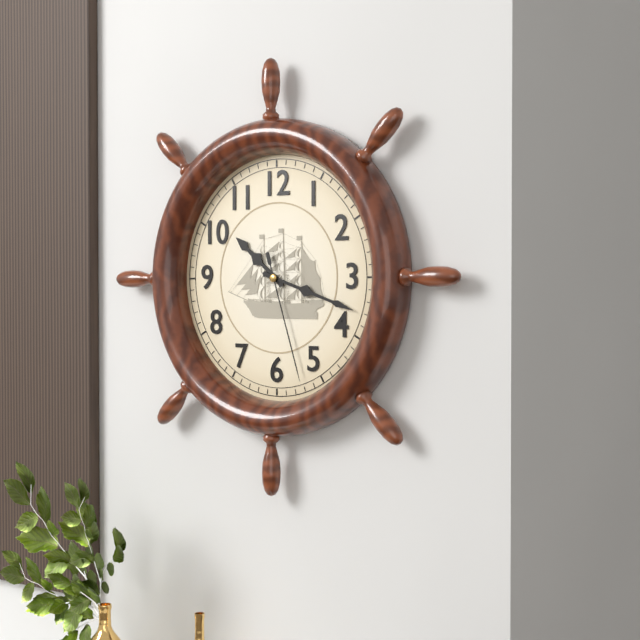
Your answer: **10:18:27**
